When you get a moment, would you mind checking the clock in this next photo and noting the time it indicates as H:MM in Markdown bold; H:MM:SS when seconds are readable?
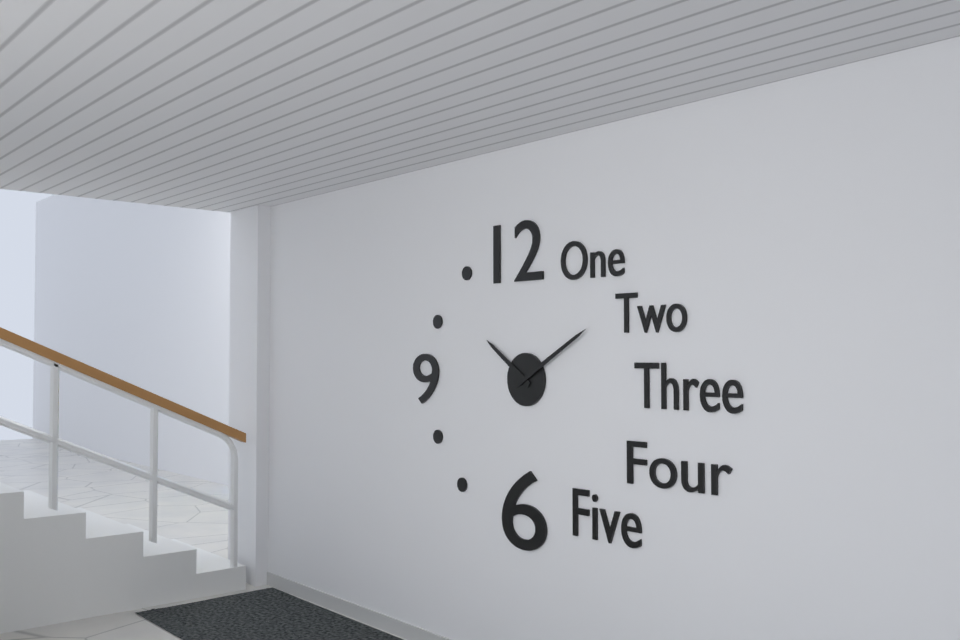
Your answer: **10:10**
